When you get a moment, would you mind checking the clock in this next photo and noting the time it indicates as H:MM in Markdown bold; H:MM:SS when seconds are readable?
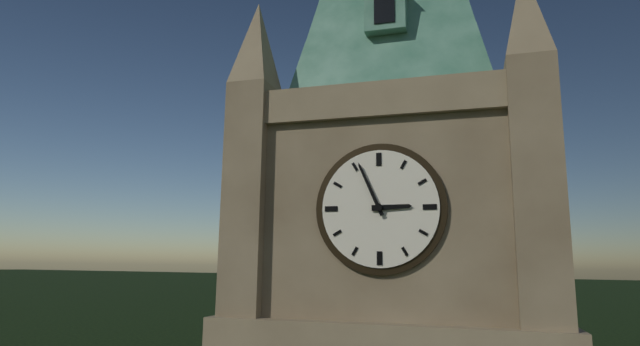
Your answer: **2:56**
